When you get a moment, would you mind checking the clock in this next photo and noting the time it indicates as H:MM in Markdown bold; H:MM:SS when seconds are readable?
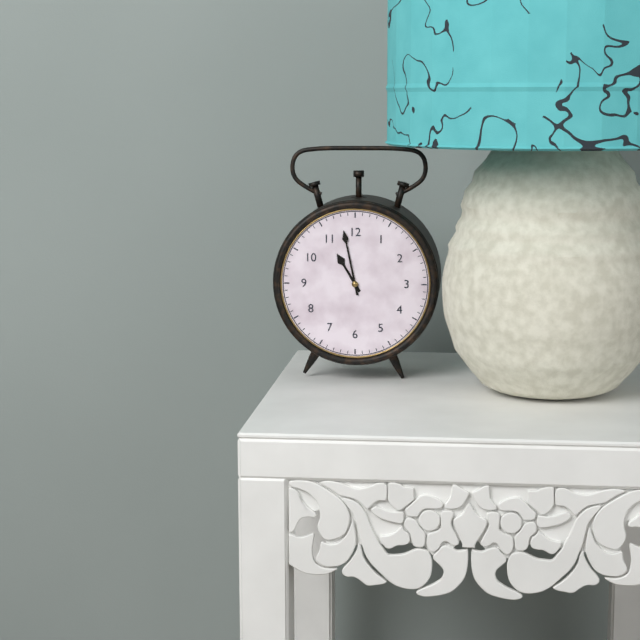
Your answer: **10:58**
